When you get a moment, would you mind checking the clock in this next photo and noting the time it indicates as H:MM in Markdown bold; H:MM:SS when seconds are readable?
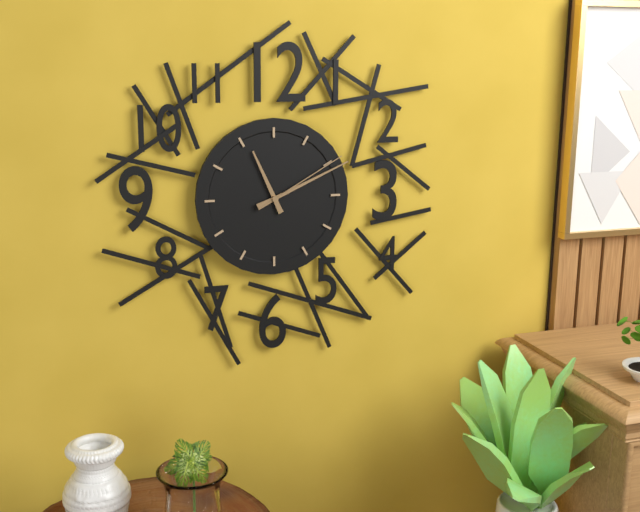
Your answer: **11:11:10**
